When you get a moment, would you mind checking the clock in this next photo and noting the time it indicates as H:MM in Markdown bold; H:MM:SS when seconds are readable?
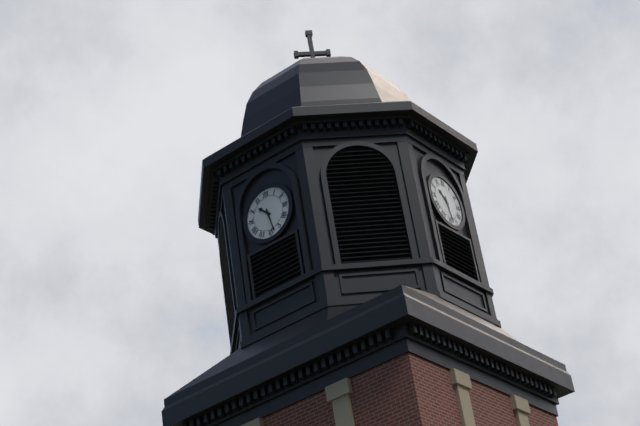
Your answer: **10:28**
